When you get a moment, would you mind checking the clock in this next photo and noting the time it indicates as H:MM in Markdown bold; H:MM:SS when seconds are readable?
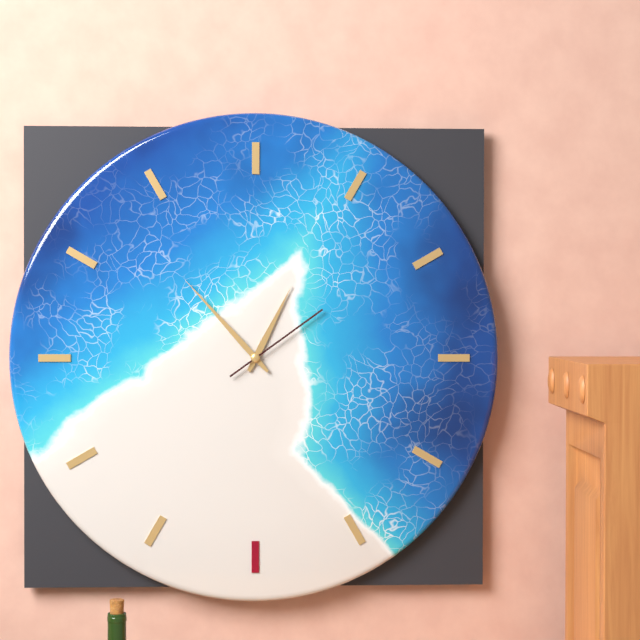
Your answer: **12:53:09**
